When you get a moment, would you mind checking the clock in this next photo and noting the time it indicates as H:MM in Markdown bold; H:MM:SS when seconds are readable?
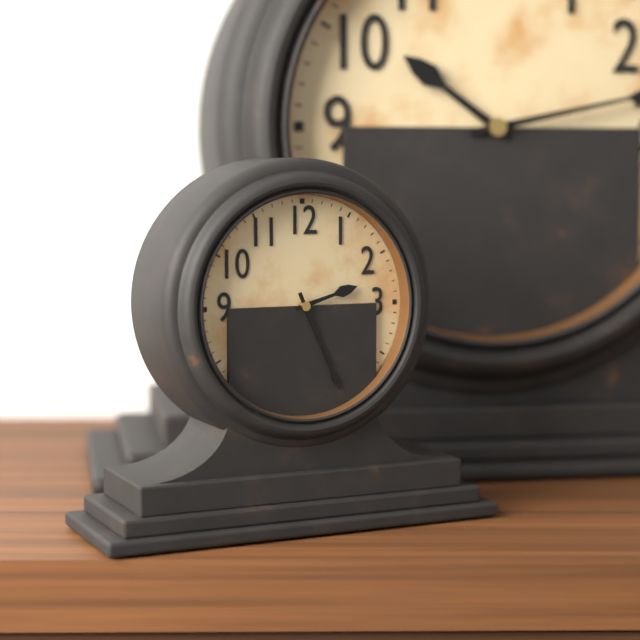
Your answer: **2:26**
